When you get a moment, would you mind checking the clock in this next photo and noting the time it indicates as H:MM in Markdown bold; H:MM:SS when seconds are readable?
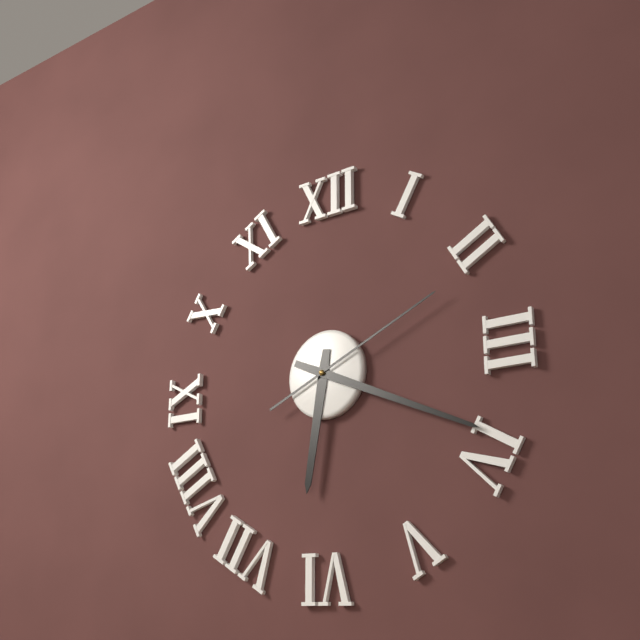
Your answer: **6:19:11**
